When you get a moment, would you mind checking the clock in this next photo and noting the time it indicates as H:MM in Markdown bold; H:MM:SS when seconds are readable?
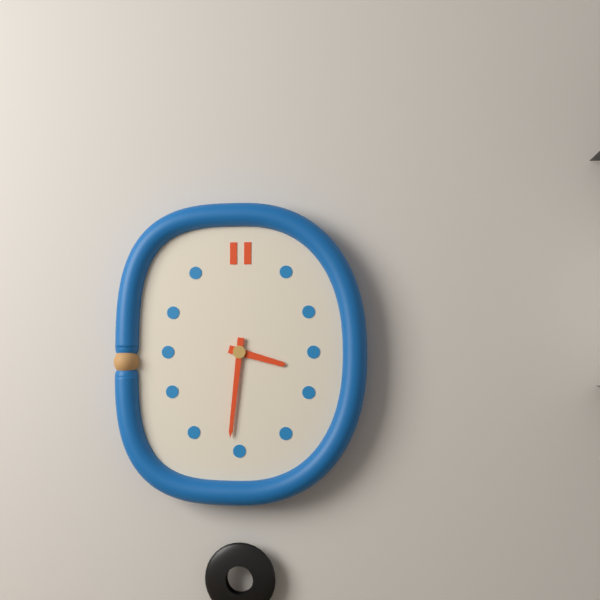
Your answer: **3:31**
